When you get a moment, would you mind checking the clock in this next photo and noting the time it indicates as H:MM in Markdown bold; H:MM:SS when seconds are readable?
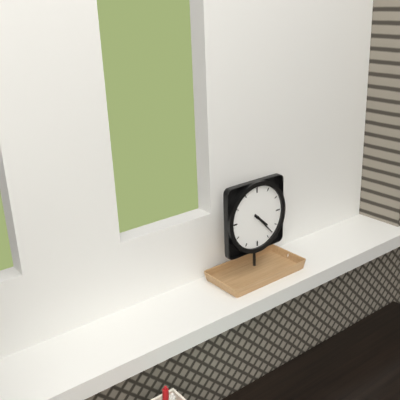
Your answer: **4:23**
